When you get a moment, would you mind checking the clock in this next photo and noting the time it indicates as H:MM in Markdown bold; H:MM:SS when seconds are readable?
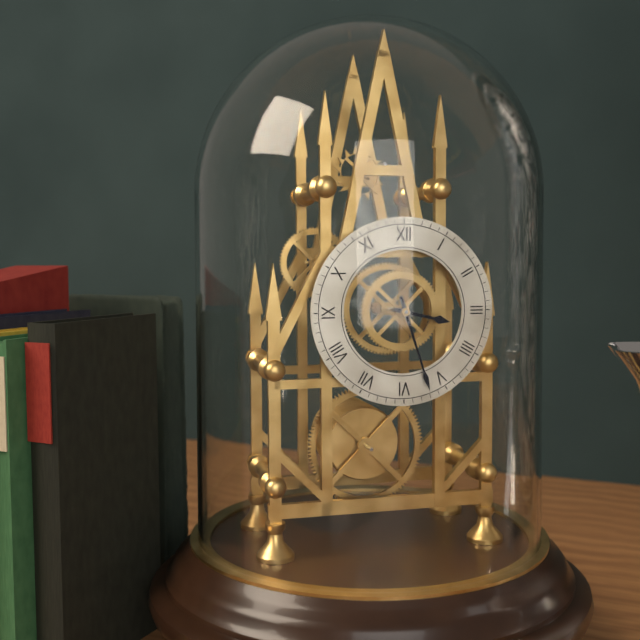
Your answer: **3:27**
